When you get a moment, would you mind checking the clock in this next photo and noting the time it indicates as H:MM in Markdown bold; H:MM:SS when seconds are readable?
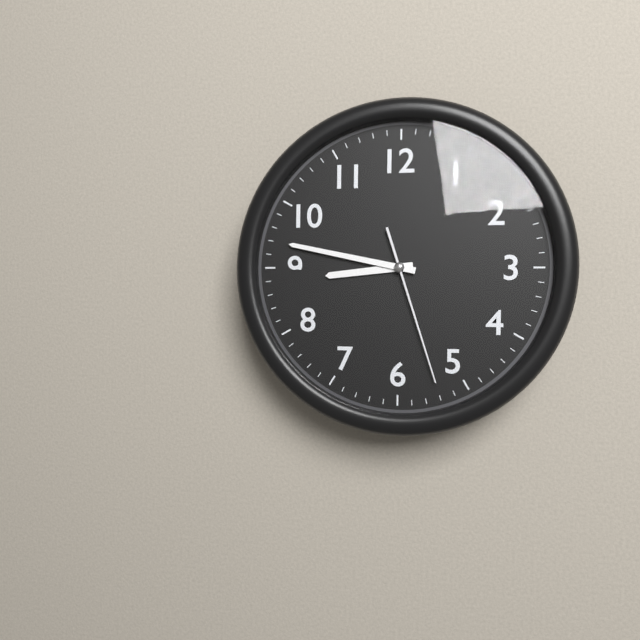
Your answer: **8:47:27**
